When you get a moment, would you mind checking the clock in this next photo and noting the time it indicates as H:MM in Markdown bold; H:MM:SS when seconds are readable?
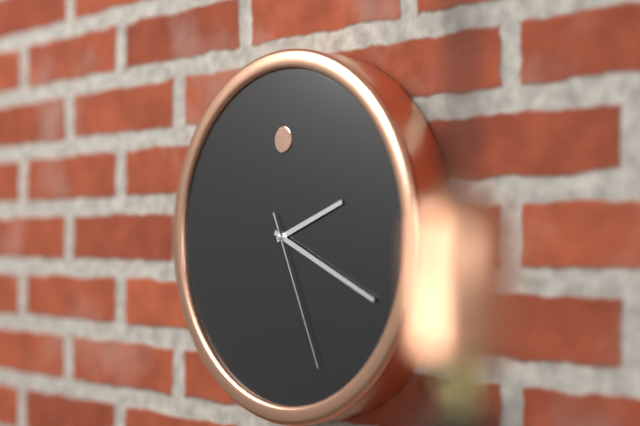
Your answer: **2:19:26**
